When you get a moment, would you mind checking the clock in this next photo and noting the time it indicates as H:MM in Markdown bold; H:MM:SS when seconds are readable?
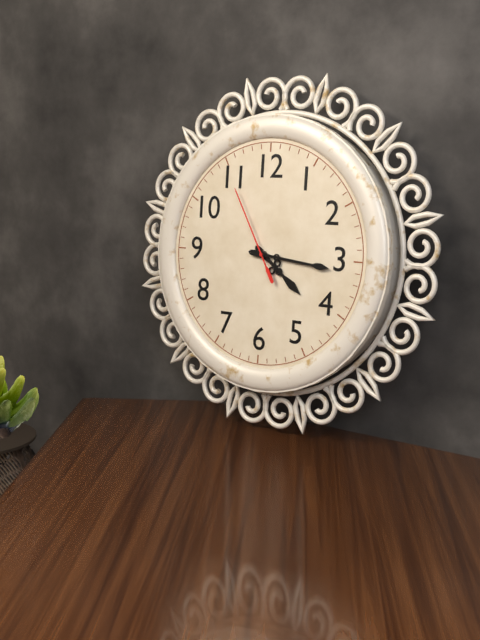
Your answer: **4:16:55**
